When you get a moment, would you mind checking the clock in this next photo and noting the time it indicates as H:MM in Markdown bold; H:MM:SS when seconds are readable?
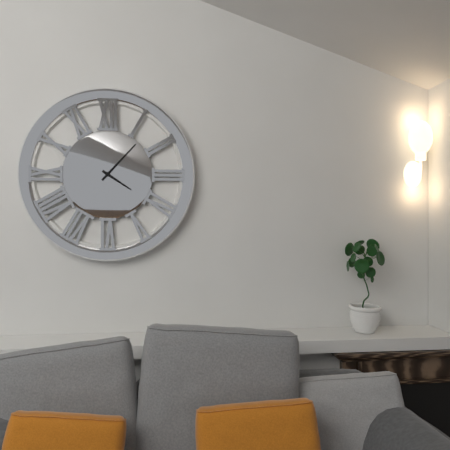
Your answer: **4:07**
